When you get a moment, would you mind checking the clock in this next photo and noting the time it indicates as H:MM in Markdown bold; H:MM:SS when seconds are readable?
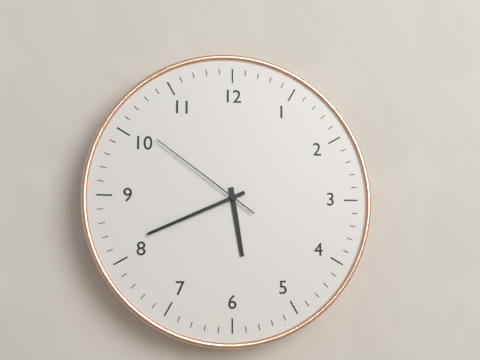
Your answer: **5:41:51**
